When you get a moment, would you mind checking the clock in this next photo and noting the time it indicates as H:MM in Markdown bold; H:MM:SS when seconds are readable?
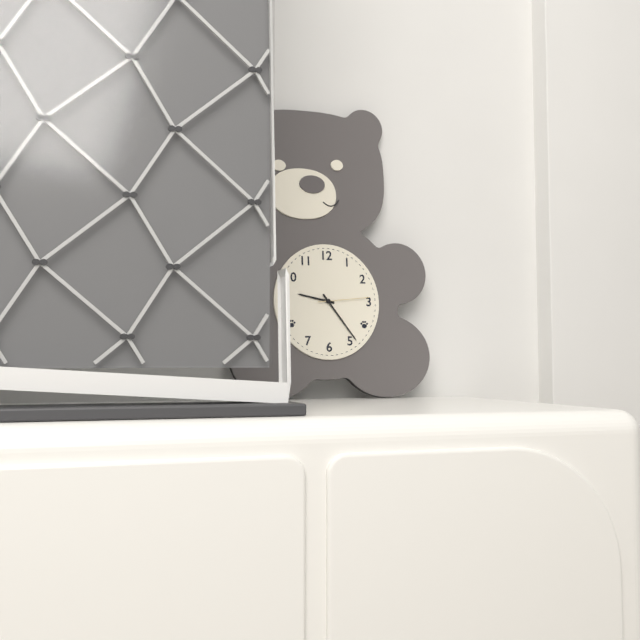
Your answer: **9:24:14**
